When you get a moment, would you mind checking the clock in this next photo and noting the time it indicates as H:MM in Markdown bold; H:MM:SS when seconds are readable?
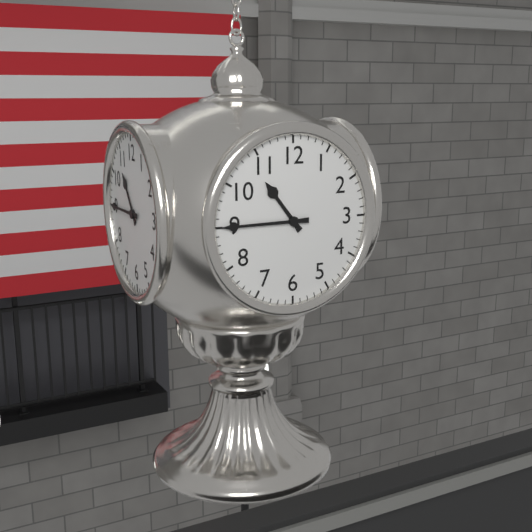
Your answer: **10:45**
